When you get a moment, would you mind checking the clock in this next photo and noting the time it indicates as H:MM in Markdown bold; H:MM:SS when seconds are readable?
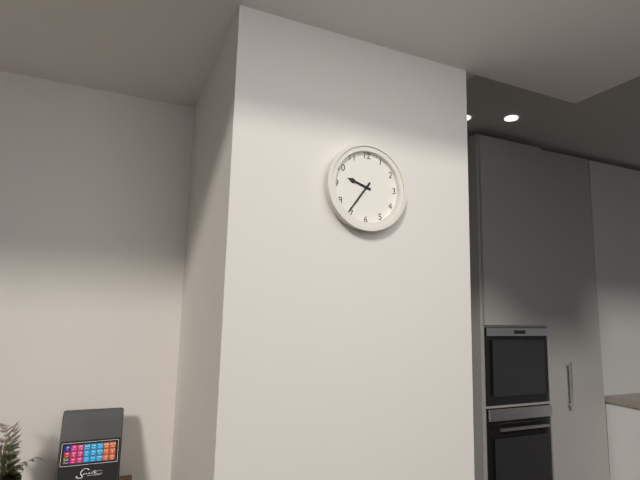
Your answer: **9:36**
